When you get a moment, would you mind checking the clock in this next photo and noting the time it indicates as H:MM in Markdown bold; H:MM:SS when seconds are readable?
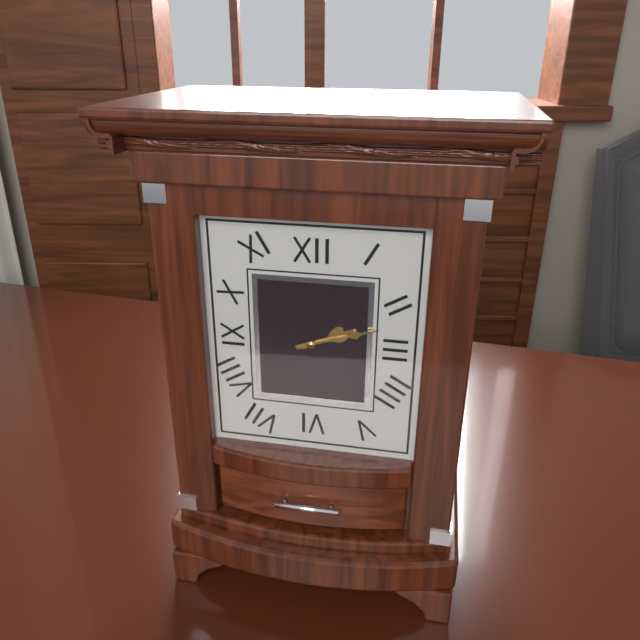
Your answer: **2:12**
